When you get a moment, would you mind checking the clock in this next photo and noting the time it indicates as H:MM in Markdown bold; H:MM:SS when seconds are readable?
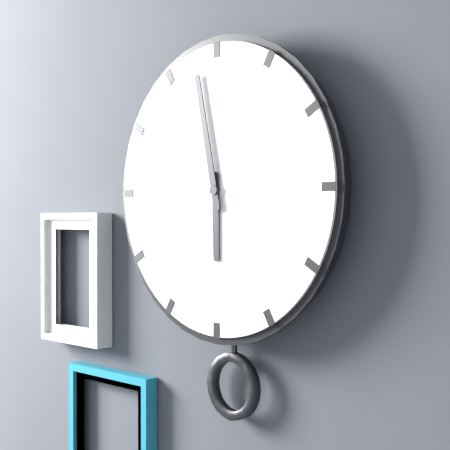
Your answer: **5:58**
